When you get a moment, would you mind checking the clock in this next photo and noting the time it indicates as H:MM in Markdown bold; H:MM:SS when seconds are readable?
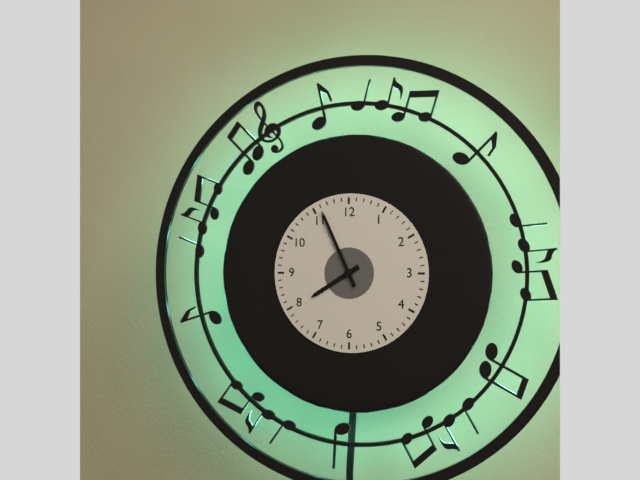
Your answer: **7:56**
